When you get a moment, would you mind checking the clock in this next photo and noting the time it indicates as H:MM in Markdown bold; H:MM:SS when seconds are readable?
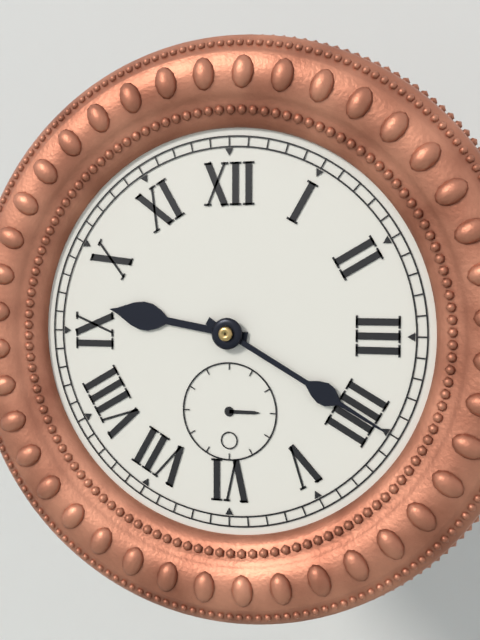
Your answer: **9:20**
